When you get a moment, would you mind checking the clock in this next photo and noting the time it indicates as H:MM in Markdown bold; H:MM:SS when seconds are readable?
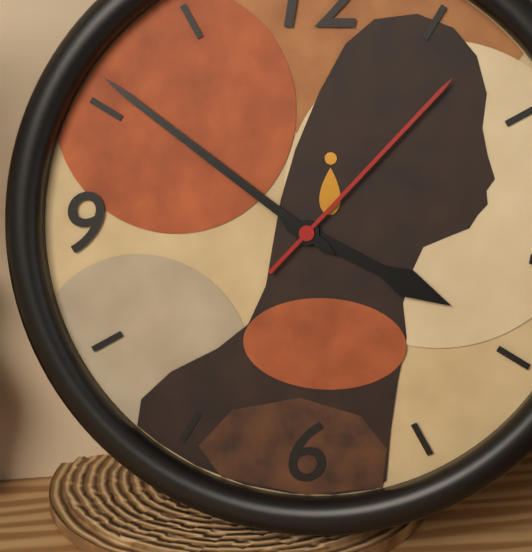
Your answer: **3:51:07**
